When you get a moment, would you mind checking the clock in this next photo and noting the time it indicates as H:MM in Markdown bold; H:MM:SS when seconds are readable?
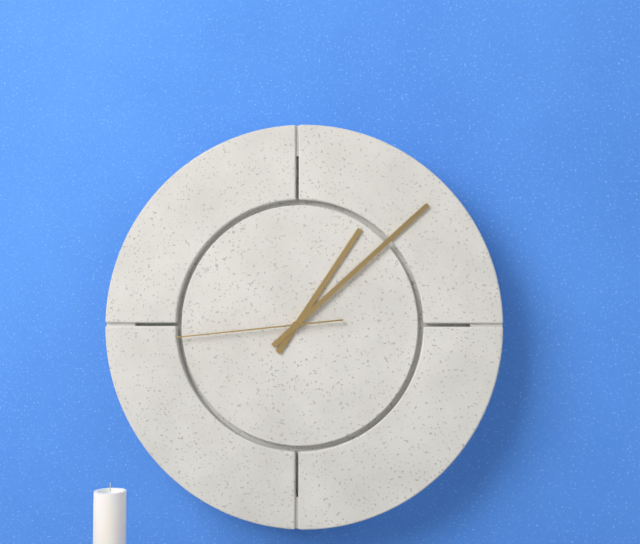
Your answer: **1:08:44**
